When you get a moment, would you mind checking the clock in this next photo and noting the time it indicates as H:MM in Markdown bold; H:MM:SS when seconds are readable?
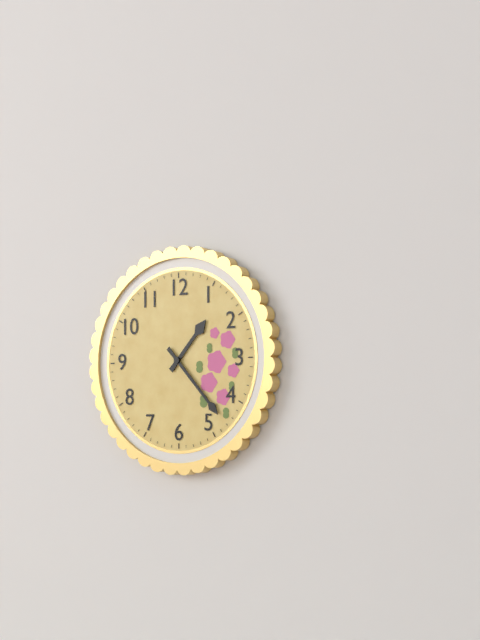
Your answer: **1:23**
